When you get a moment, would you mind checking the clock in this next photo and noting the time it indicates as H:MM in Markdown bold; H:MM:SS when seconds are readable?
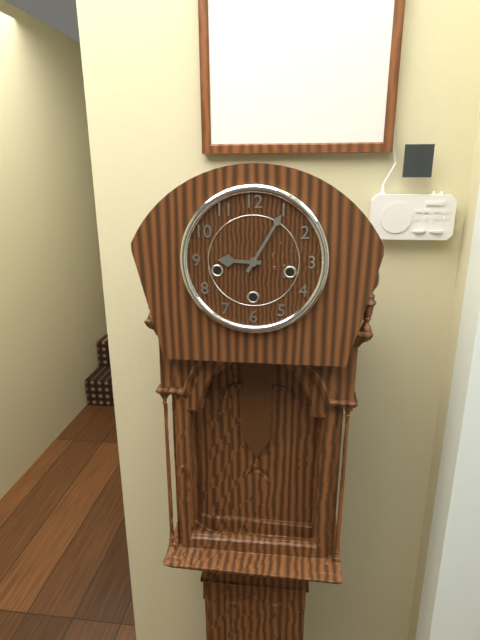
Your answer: **9:05**
